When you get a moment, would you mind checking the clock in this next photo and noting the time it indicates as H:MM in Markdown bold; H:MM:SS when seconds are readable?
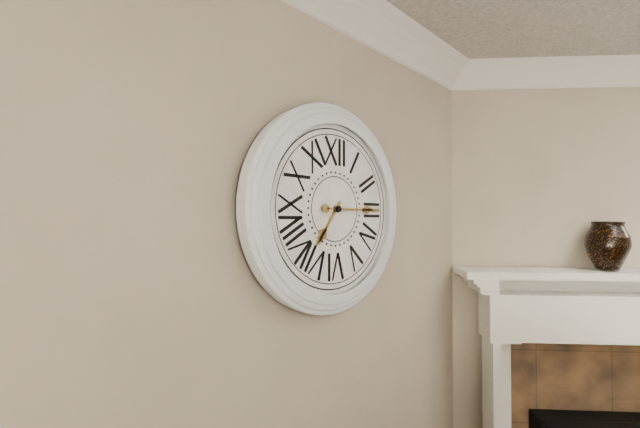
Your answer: **7:15**
